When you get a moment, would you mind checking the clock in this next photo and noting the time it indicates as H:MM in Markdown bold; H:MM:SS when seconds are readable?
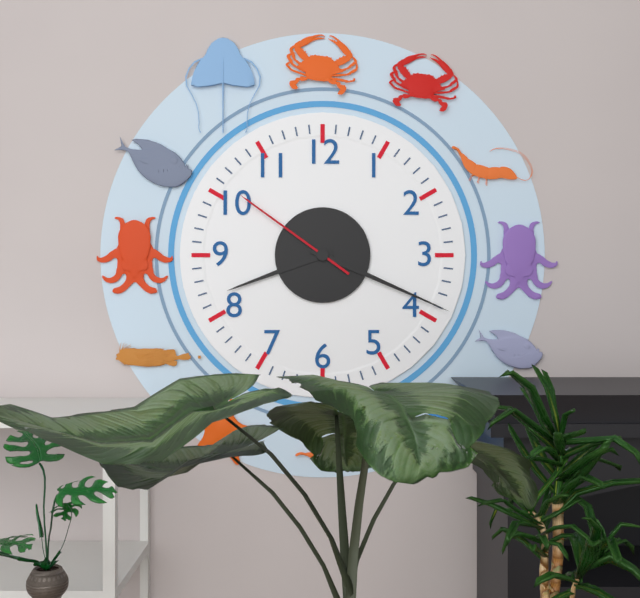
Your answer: **8:19:51**
